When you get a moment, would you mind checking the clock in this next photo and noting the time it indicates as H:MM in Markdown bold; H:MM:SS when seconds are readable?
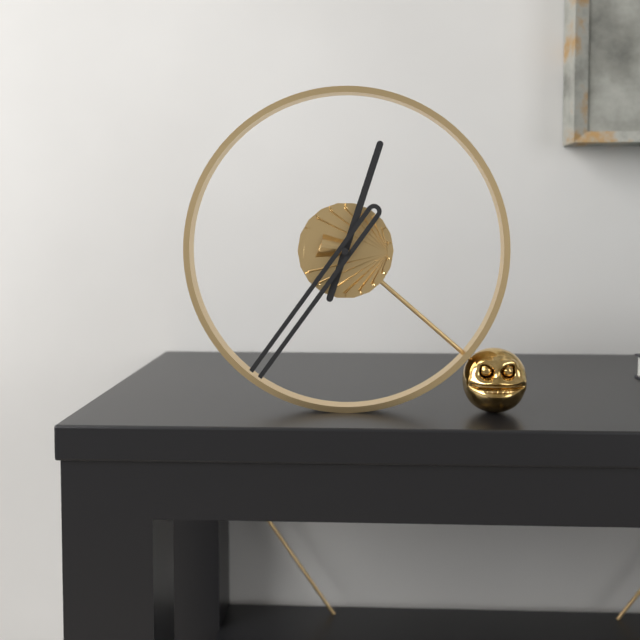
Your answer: **12:36**
